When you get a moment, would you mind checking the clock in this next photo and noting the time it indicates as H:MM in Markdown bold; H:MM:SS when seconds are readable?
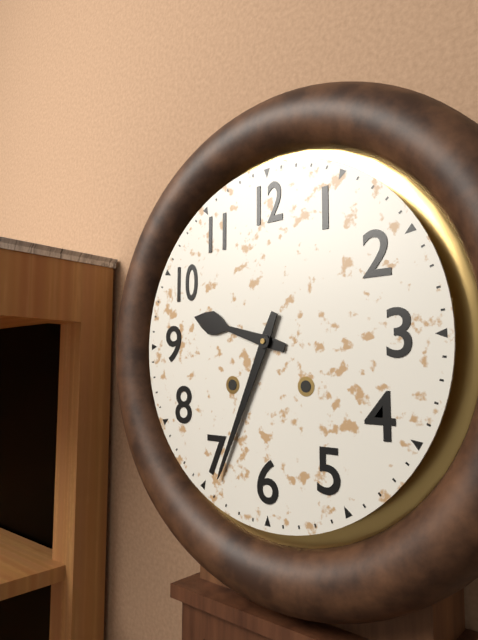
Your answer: **9:34**
